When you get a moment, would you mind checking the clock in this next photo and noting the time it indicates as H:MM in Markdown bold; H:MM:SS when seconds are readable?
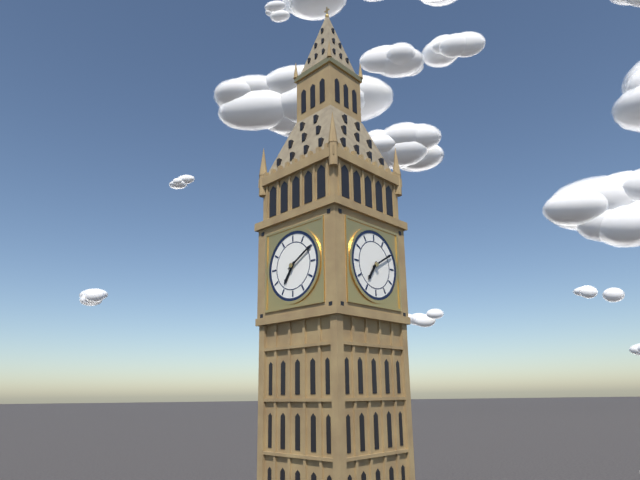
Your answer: **7:10**
